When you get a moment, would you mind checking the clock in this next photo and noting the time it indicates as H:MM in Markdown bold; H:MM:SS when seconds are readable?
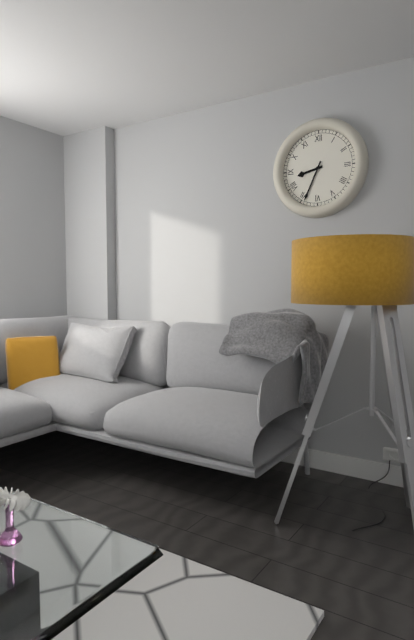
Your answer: **8:34**
